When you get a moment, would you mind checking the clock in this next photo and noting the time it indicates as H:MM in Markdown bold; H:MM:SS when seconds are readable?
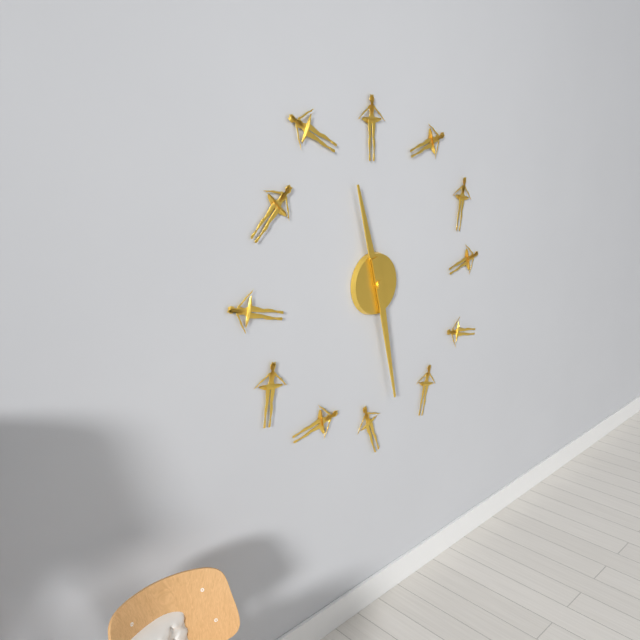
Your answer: **11:28**
